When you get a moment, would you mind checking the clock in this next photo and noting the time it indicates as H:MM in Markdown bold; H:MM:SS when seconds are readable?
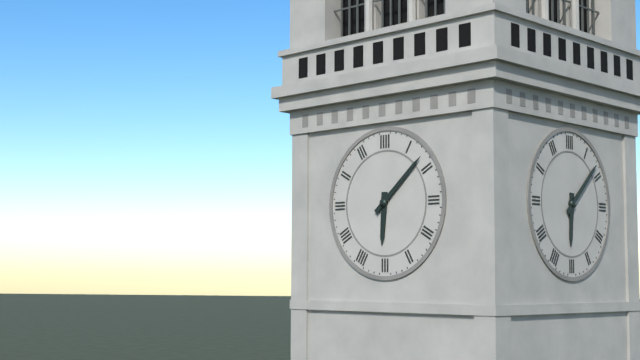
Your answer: **6:08**
